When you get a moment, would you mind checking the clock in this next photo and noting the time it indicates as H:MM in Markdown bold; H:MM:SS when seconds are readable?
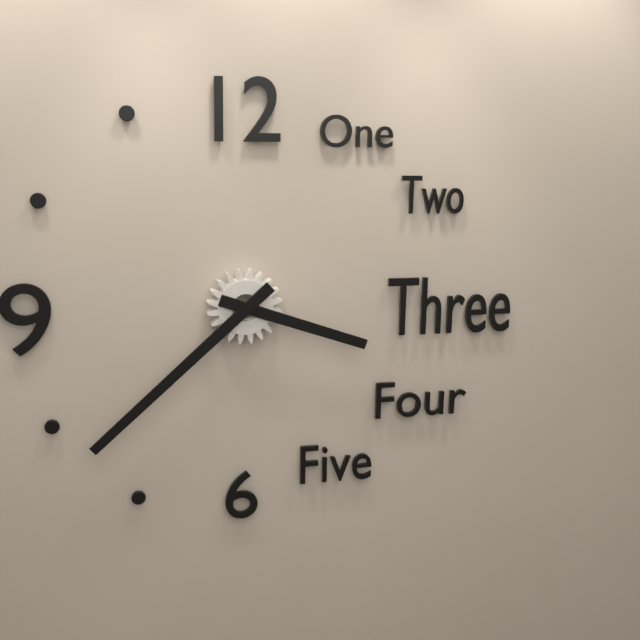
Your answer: **3:38**
